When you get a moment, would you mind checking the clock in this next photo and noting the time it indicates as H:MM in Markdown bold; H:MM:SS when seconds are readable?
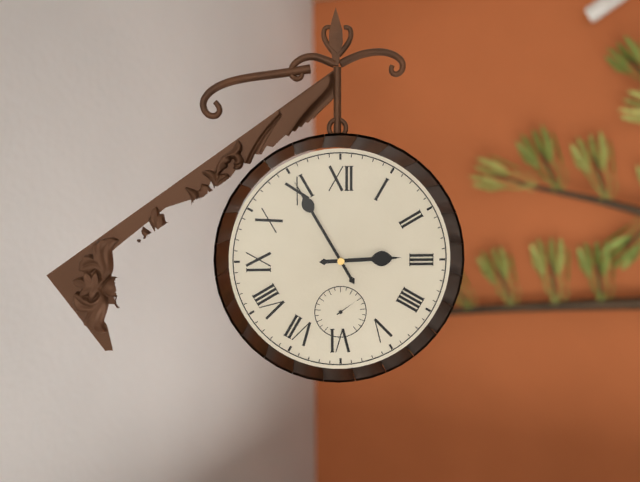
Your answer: **2:55**
